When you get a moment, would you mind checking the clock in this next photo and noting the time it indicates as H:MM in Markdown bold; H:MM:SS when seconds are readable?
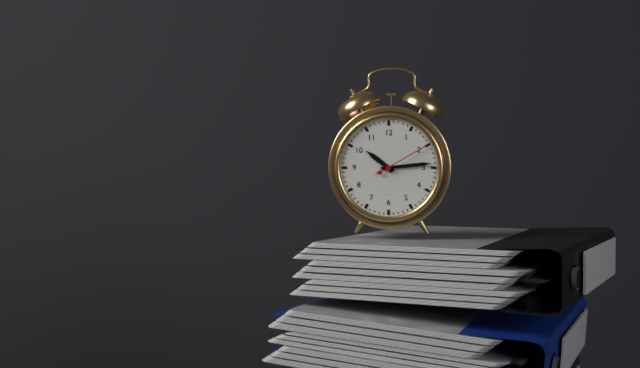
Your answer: **10:14:10**
